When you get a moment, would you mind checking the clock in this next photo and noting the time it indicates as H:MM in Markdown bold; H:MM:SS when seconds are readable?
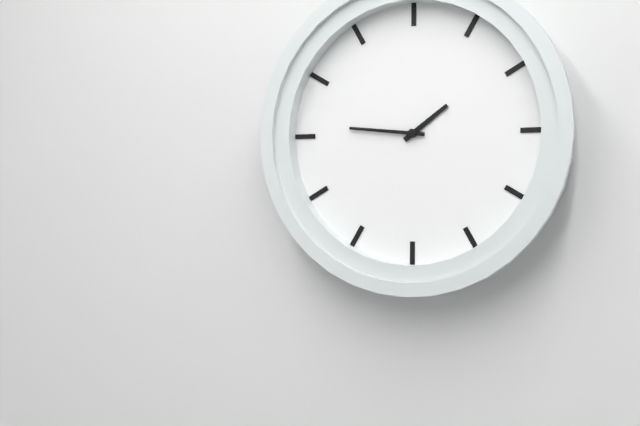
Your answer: **1:46**
